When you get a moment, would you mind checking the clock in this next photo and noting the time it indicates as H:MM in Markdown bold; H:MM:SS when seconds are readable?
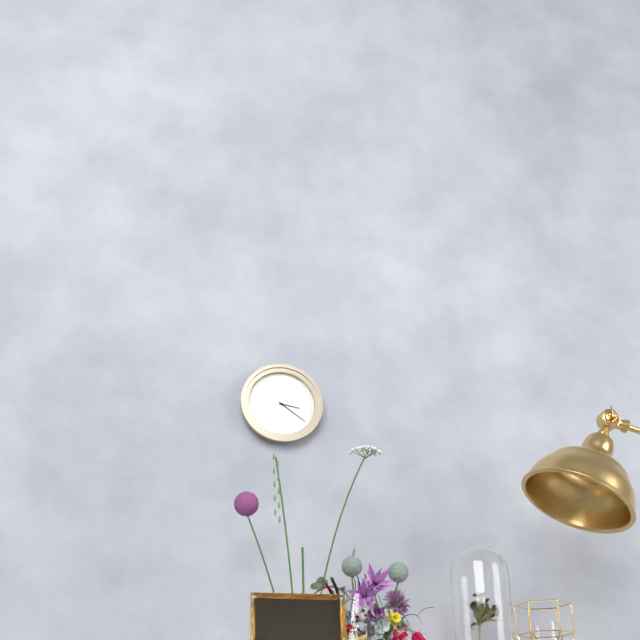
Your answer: **3:21**
